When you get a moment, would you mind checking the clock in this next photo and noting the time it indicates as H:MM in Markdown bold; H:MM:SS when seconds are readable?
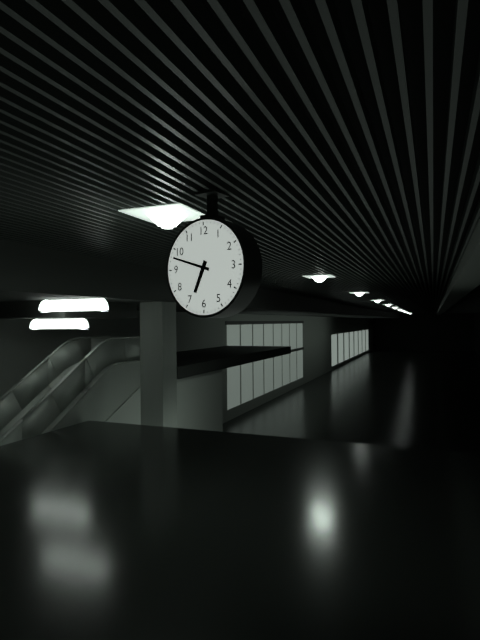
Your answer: **6:48**
